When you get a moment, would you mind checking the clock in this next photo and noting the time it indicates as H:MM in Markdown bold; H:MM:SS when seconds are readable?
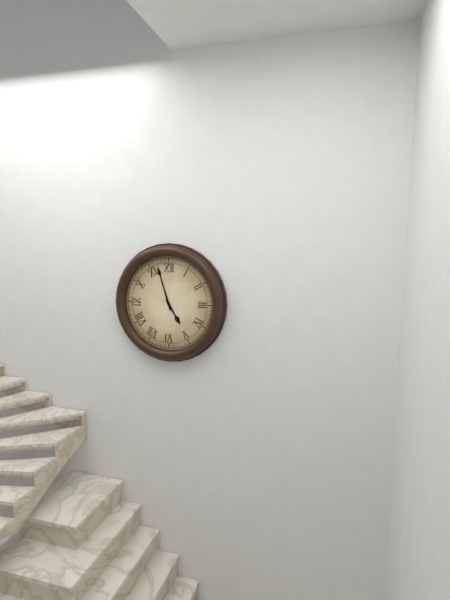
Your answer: **4:57**
